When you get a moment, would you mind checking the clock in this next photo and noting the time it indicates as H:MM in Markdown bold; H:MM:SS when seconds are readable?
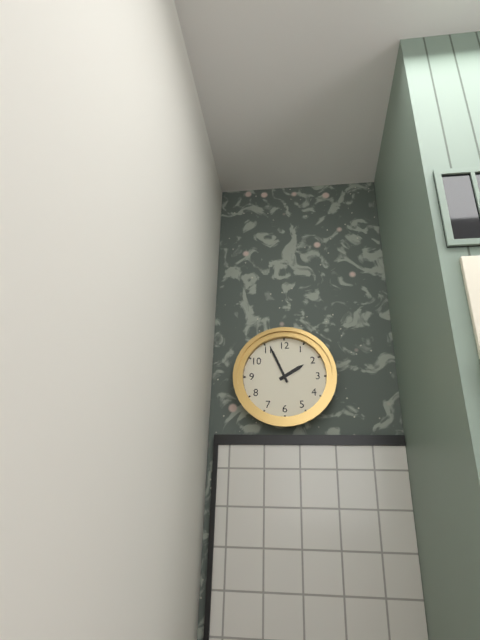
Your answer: **1:56**
